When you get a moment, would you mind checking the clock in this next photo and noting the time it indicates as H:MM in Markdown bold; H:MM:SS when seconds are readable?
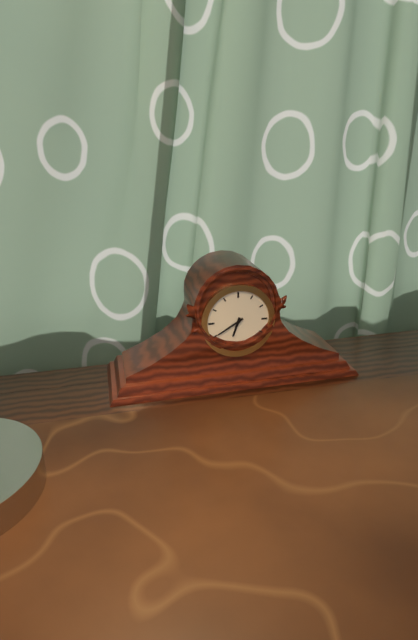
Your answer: **6:40**
